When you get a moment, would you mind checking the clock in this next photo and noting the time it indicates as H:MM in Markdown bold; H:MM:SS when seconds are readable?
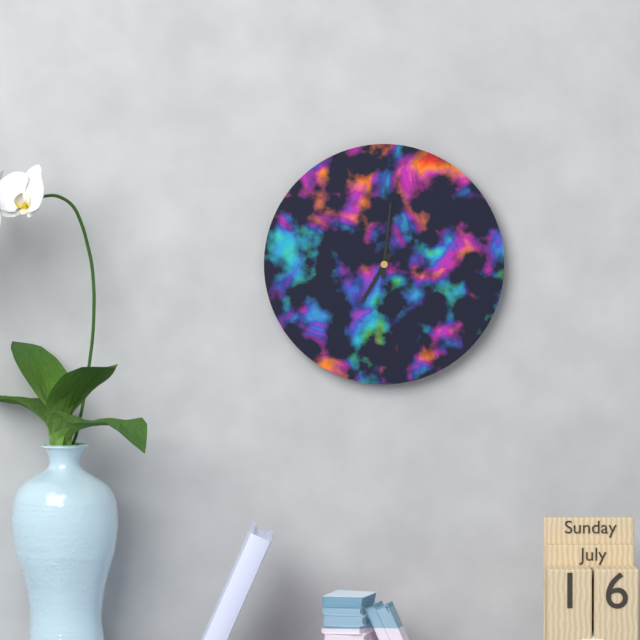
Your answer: **7:01**
